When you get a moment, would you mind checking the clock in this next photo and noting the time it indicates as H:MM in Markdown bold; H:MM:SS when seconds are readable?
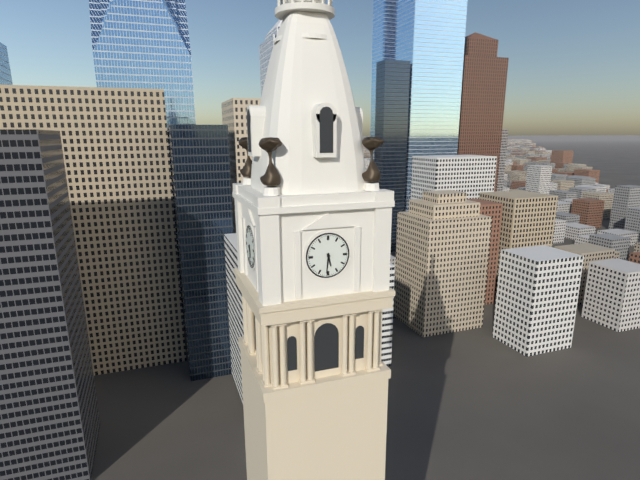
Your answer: **5:31**
